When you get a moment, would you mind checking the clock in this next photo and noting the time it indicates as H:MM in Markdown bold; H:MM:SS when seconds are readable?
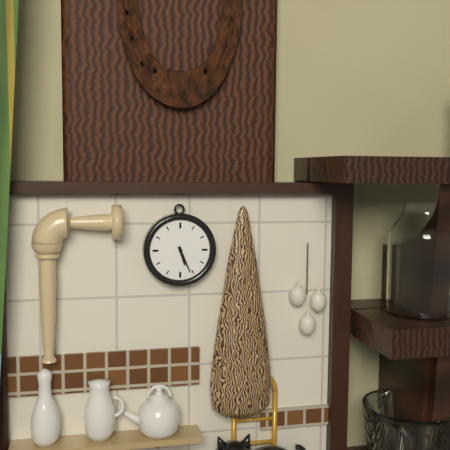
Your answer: **5:26**
